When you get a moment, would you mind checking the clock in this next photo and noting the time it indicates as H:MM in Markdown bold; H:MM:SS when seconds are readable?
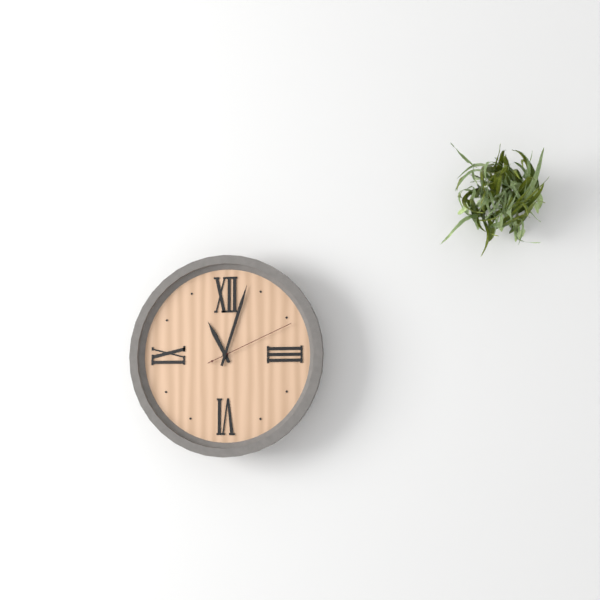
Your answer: **11:03:11**
